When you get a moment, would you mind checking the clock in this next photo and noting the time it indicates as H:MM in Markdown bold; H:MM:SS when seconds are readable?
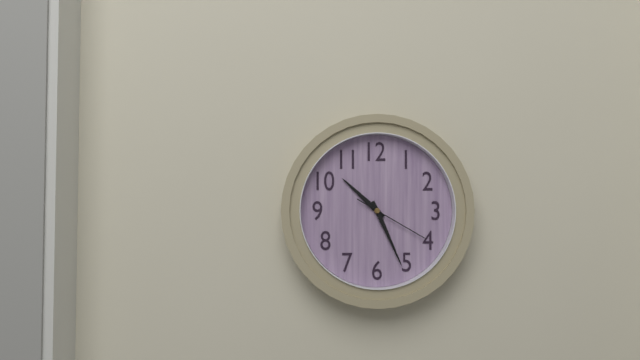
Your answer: **10:26:20**
